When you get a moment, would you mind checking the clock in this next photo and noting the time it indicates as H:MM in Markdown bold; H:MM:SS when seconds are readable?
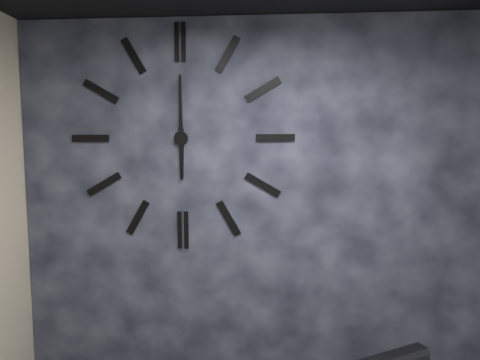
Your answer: **6:00**
